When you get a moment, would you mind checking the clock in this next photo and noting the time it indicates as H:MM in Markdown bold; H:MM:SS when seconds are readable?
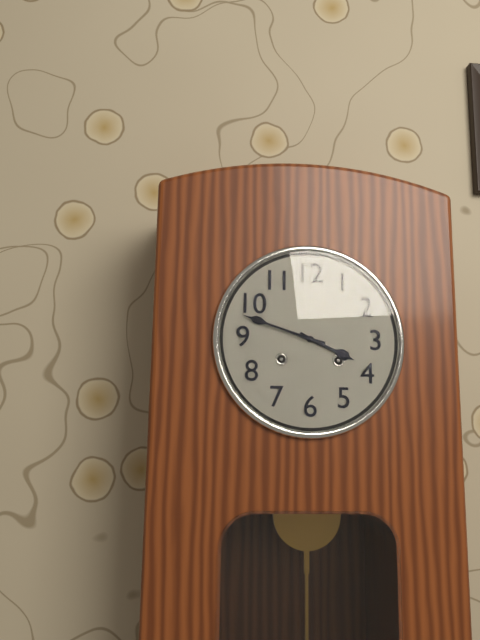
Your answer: **3:48**
